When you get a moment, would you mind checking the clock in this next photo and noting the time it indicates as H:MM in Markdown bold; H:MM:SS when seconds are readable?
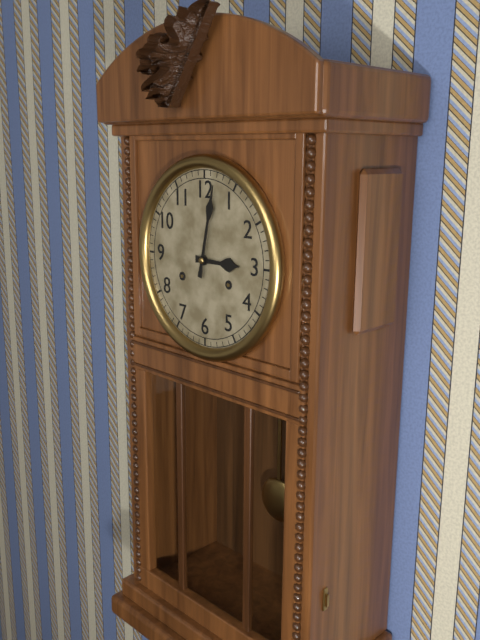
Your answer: **3:02**
